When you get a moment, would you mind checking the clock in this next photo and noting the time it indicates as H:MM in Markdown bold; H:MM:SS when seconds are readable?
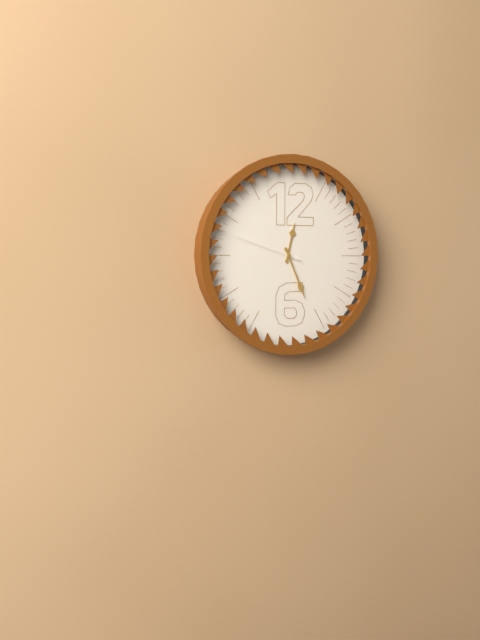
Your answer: **12:26:48**
